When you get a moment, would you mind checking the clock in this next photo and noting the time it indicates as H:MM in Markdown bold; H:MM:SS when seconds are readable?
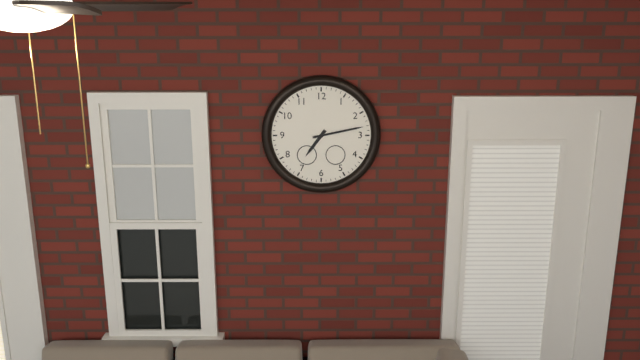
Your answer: **7:13**
